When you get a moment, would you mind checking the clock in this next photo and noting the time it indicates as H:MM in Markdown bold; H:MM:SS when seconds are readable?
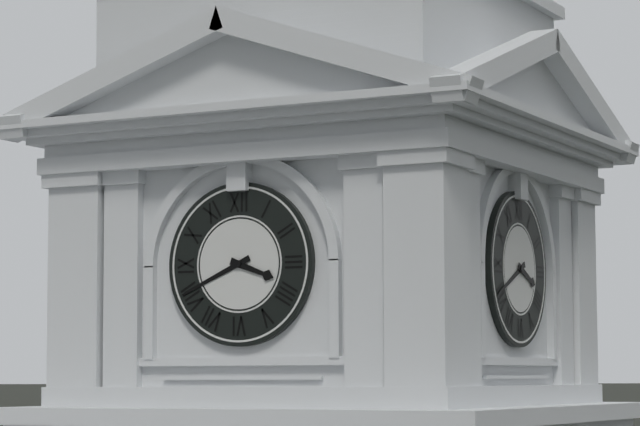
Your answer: **3:41**
